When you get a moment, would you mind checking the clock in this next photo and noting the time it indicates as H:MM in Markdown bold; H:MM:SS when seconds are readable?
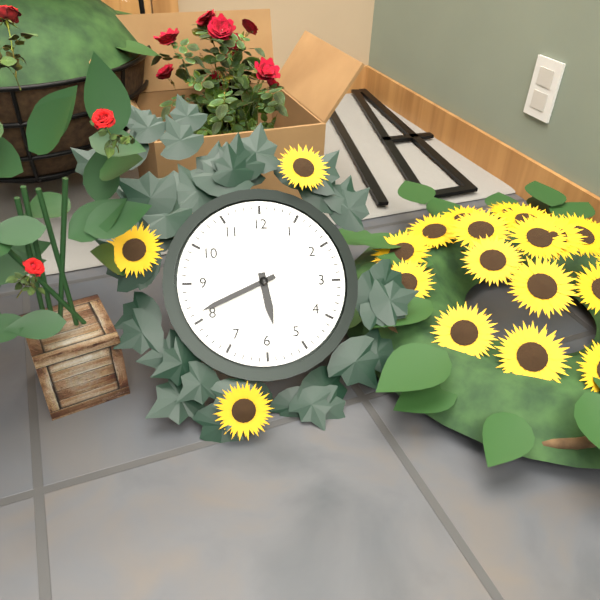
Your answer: **5:41**
